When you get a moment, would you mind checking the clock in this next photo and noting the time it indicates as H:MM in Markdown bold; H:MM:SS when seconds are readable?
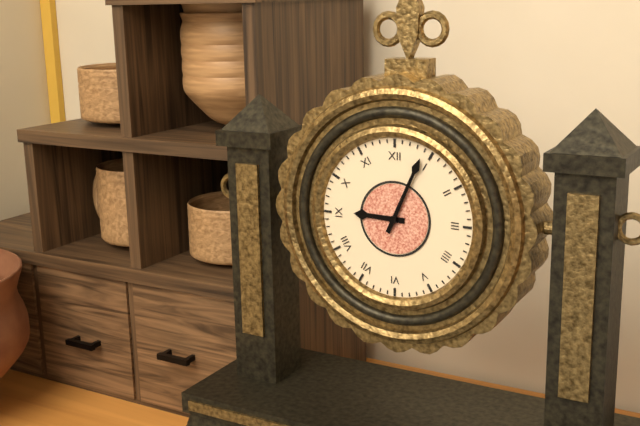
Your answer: **9:04**
